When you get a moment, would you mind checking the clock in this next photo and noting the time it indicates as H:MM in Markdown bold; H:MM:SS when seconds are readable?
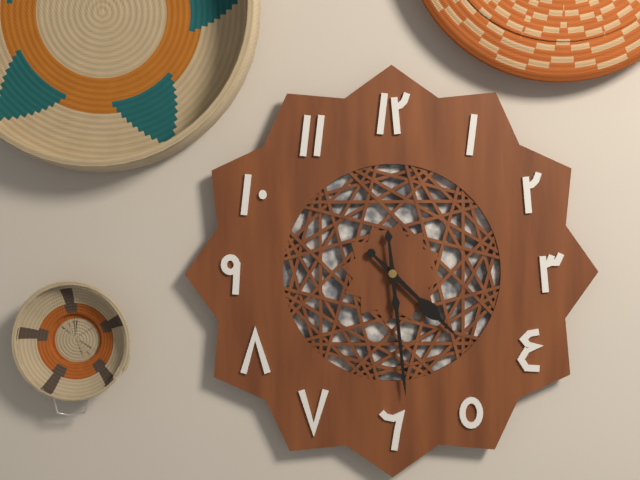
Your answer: **4:29**
